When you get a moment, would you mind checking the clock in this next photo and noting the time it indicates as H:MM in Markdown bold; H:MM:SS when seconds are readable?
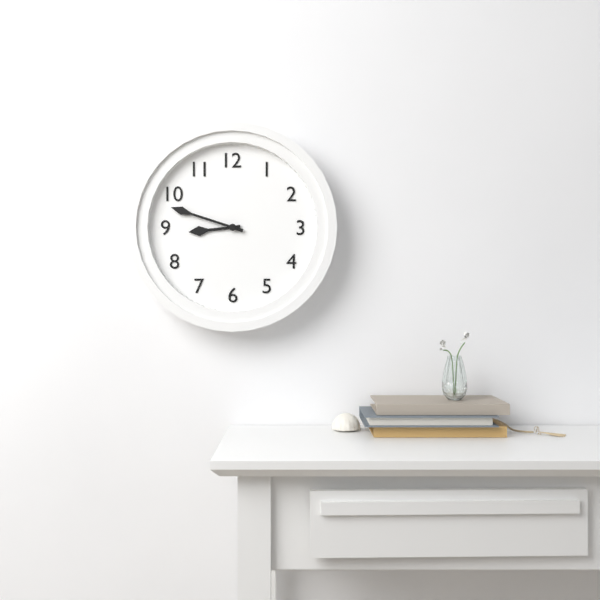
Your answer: **8:48**
